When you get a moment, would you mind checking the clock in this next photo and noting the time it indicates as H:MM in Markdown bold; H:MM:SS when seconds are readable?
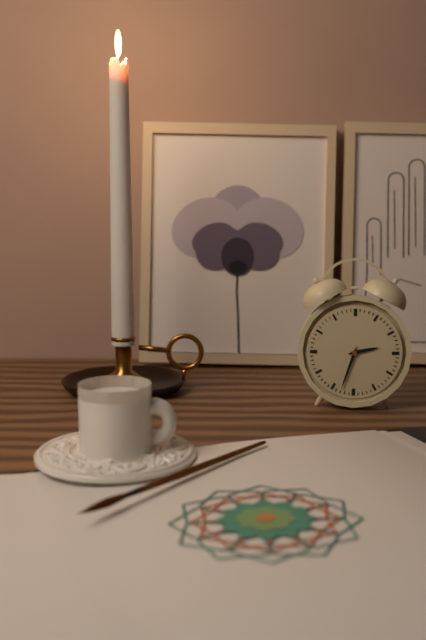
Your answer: **2:33**
